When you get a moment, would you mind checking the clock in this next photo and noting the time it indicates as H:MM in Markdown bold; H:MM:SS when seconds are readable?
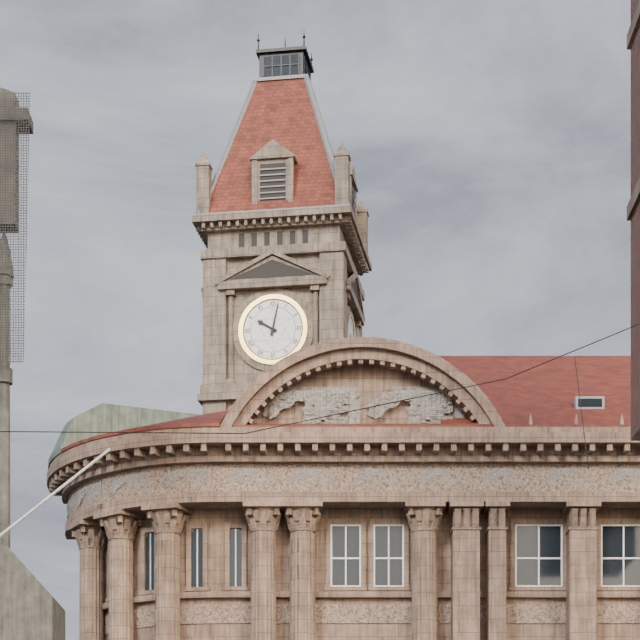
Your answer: **10:02**
